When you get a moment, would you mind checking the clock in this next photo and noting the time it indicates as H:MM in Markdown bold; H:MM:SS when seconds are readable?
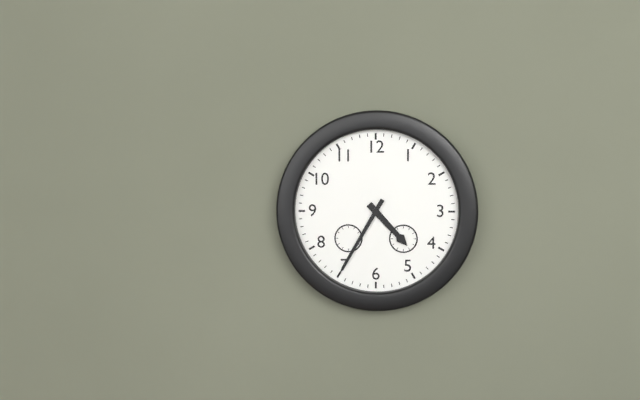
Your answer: **4:35**
